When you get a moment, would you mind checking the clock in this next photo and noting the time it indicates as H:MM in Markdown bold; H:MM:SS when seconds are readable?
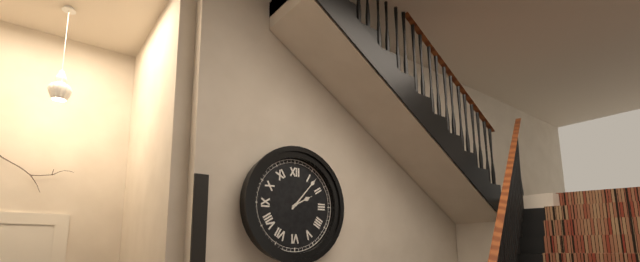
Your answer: **2:07**
